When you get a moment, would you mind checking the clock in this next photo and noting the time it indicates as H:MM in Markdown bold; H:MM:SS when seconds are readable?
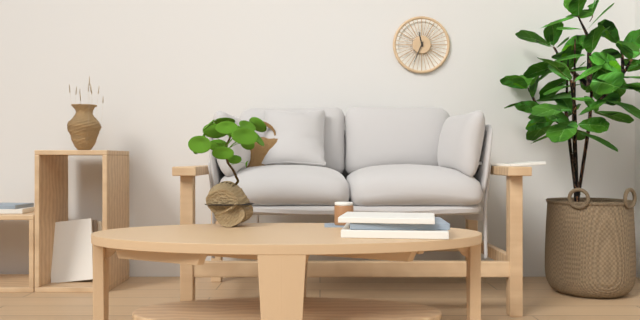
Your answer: **11:34**
